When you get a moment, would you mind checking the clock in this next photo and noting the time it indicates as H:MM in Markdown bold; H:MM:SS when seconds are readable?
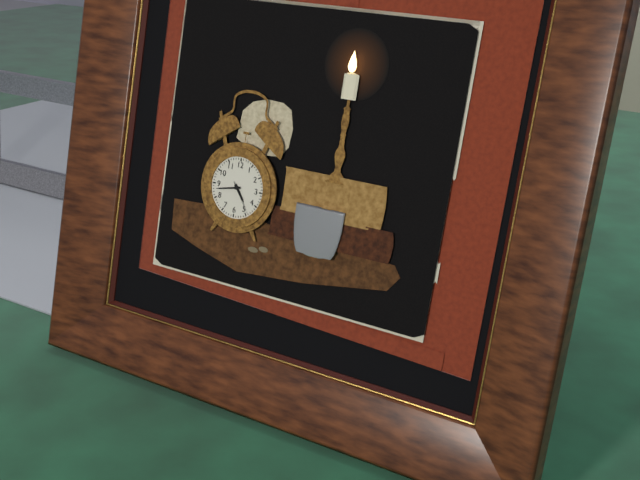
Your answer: **4:43**
